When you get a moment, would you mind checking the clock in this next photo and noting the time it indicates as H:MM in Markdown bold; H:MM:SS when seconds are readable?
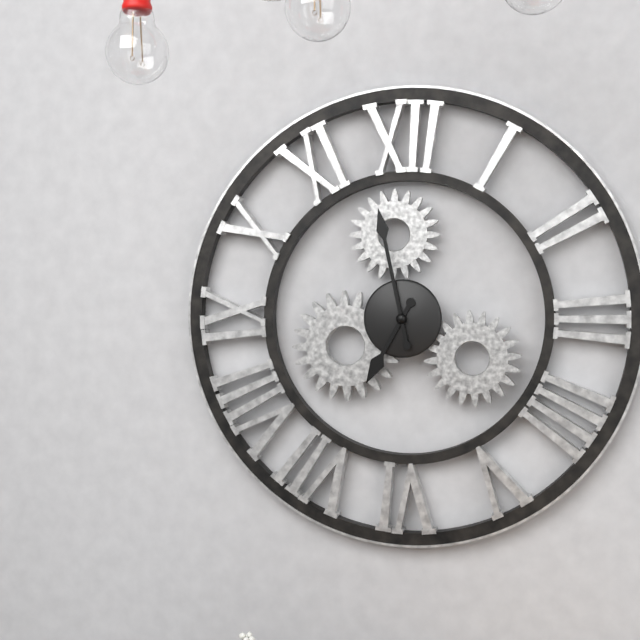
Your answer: **6:58**
